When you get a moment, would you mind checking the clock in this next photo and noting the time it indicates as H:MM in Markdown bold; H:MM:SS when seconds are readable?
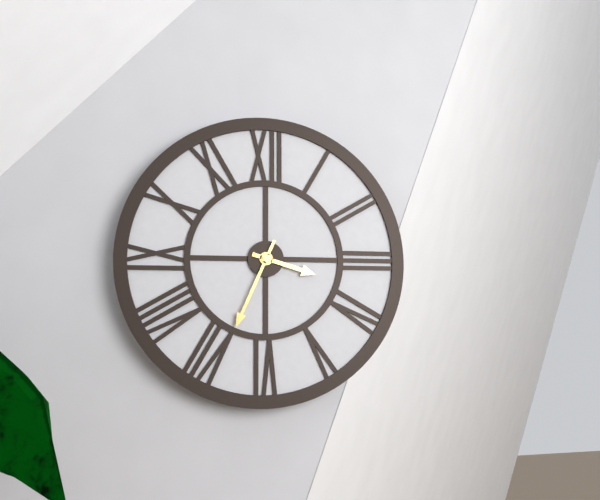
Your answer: **3:34**
